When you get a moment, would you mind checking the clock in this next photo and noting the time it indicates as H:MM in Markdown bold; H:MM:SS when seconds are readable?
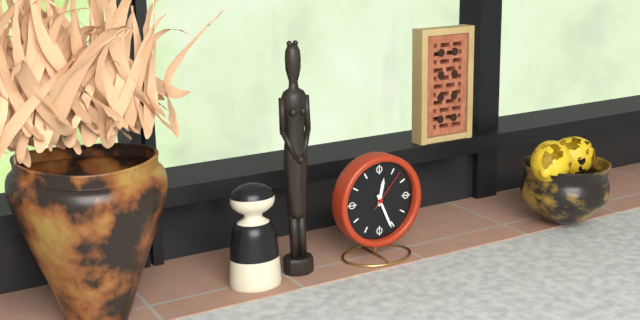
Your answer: **12:26**
